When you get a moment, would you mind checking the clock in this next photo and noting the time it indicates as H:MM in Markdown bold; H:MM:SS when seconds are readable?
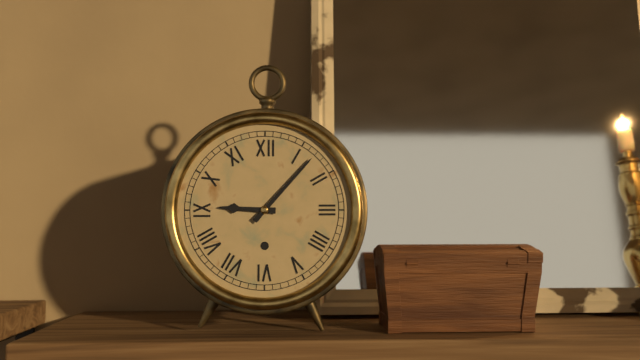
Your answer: **9:07**
